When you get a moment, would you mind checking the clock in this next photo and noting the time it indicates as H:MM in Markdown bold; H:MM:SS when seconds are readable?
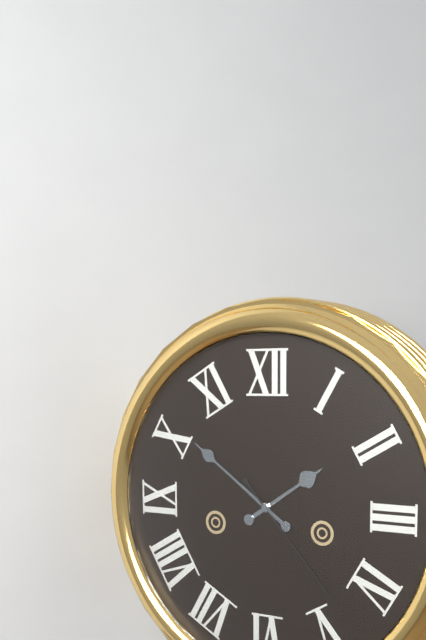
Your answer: **1:51:23**
